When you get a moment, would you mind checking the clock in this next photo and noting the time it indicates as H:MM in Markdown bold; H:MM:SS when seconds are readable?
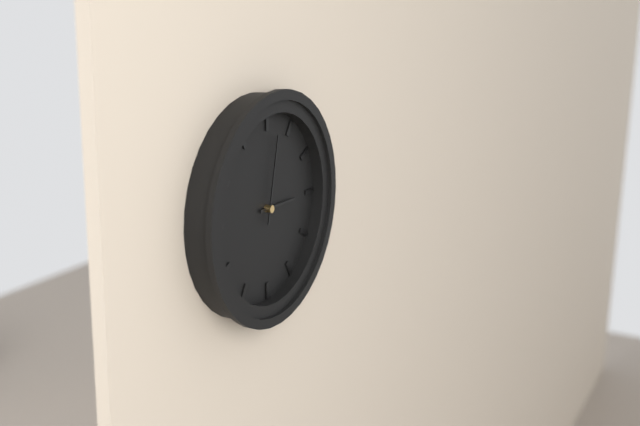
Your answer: **3:02**
